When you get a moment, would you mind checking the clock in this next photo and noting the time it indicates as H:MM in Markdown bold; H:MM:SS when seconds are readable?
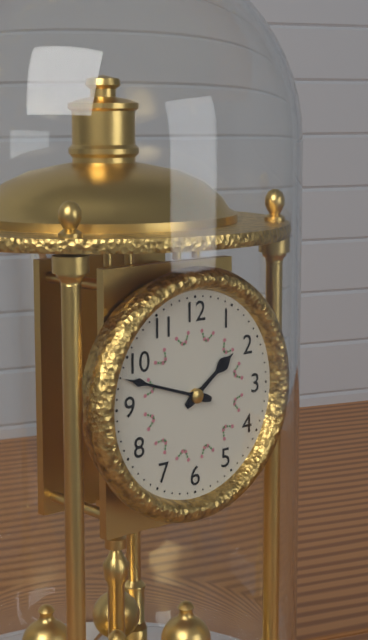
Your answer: **1:48**
